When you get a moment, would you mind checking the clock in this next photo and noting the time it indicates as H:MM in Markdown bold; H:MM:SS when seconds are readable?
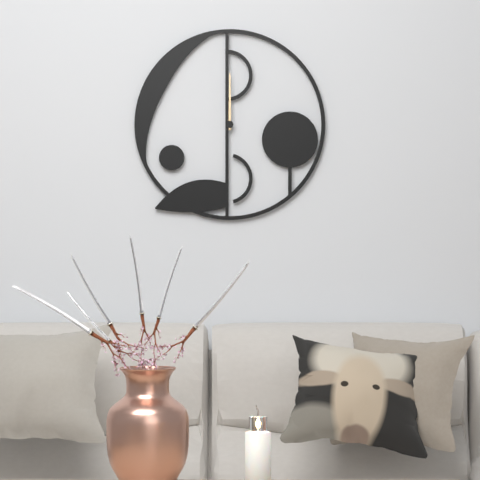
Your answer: **12:00**
